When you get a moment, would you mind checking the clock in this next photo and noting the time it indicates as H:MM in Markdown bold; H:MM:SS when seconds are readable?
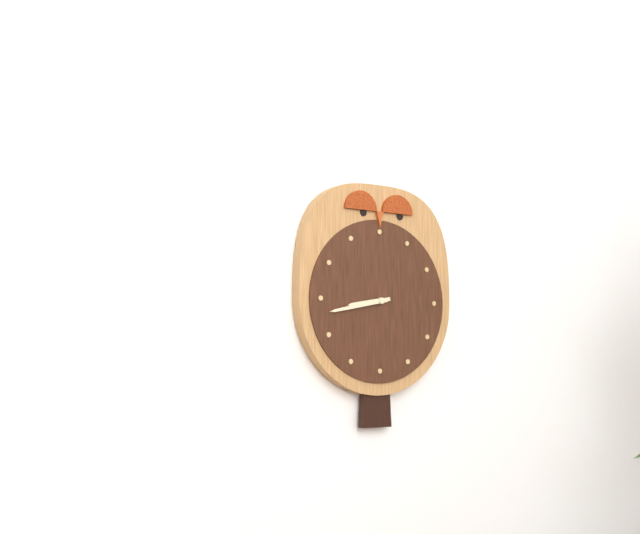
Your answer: **8:43**
